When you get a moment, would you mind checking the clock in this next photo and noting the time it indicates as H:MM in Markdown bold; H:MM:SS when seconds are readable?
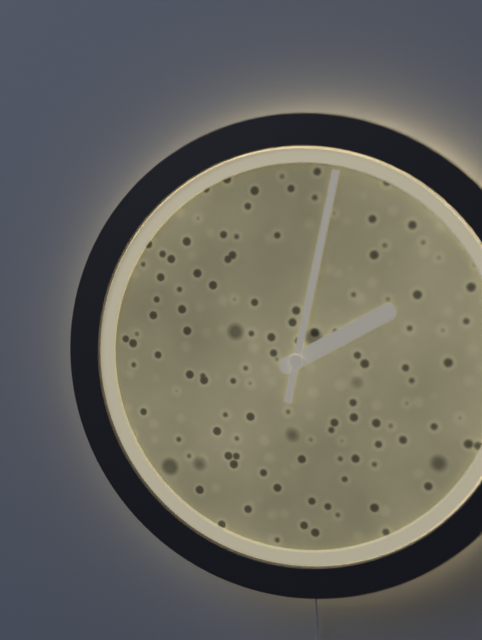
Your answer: **2:02**
